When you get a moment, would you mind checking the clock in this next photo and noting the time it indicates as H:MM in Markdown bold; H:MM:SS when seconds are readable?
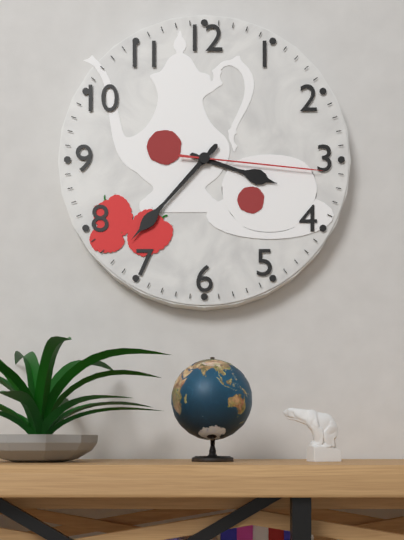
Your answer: **3:37:16**
